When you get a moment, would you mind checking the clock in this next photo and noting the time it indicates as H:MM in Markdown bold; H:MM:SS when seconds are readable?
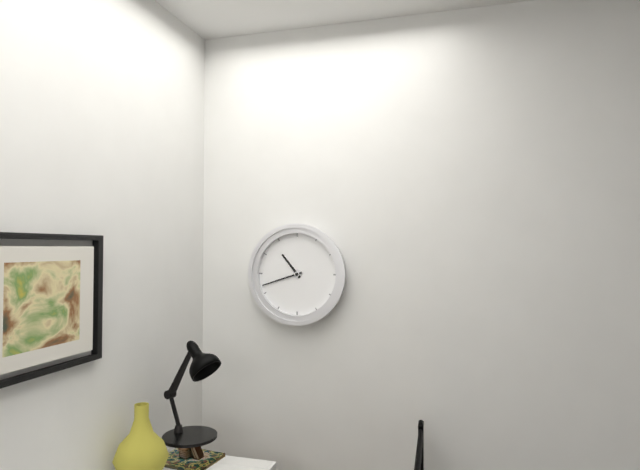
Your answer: **10:42**
